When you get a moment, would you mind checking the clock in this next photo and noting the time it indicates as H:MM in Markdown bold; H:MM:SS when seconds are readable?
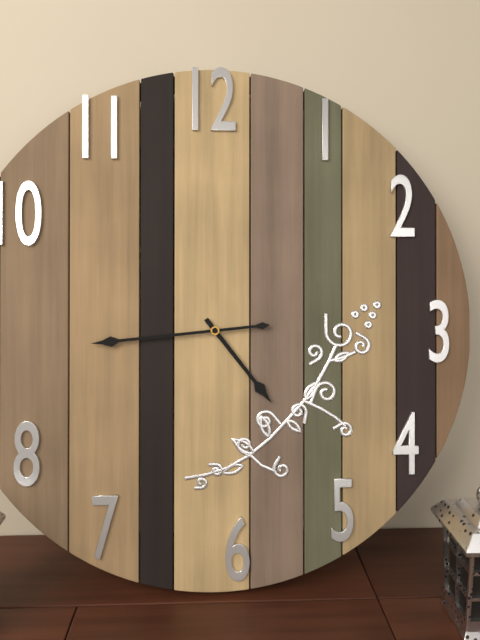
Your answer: **4:44**
